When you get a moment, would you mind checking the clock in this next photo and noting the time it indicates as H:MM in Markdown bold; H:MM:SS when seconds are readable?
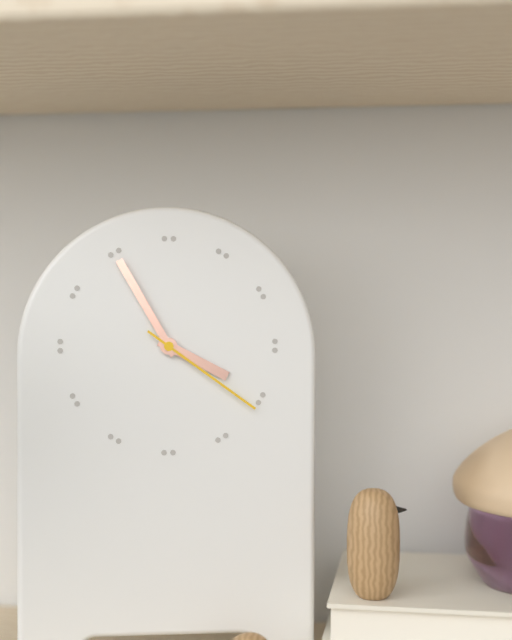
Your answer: **3:55:21**
